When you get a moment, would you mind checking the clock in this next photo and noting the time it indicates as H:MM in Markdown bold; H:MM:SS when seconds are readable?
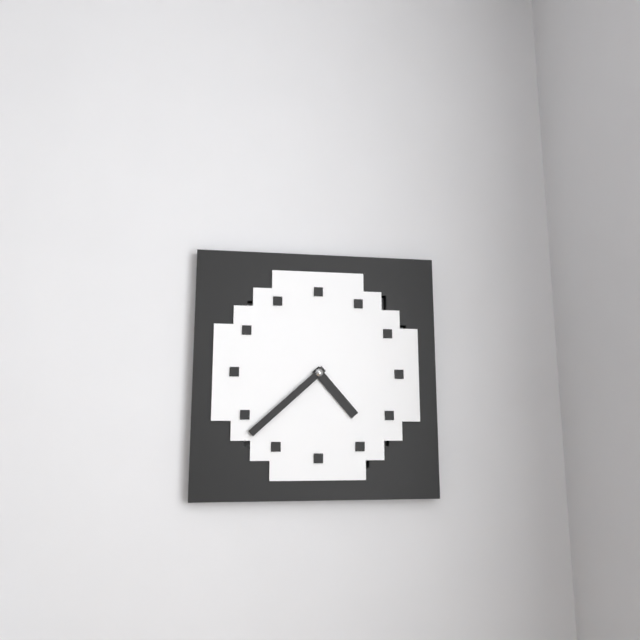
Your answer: **4:38**
